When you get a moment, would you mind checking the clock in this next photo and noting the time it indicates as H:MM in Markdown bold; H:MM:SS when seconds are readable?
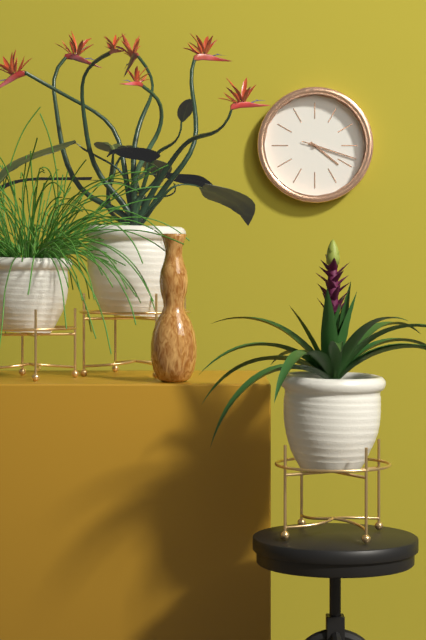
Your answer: **4:18:18**
